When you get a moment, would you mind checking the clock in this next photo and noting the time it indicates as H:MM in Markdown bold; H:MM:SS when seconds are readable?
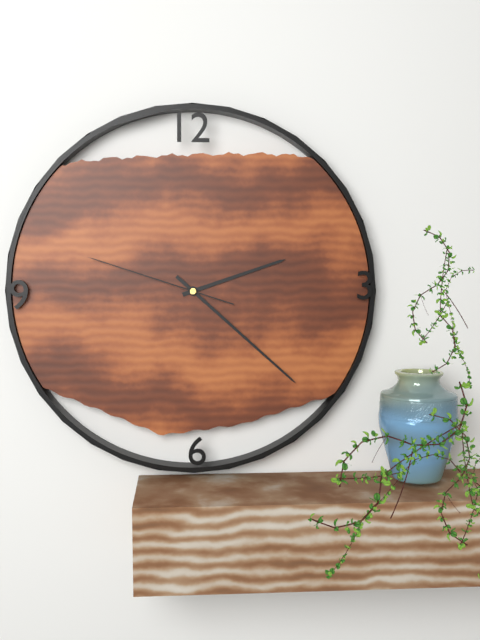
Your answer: **2:22:48**
